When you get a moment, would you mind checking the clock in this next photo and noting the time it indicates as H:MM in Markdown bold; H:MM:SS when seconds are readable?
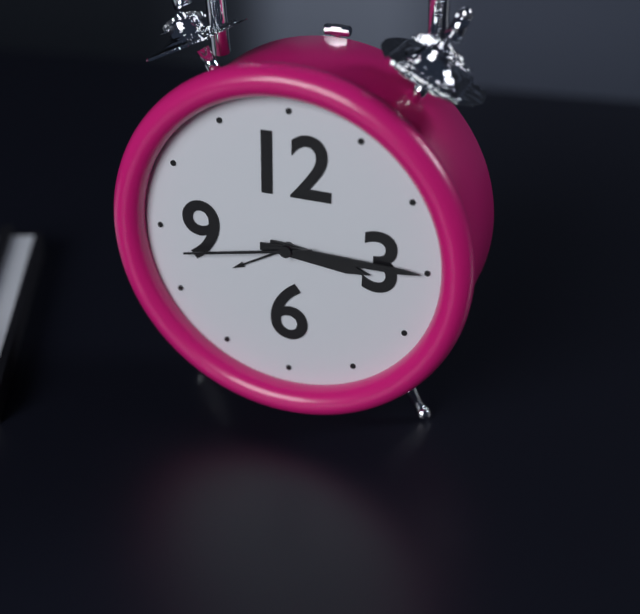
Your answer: **3:15:43**
